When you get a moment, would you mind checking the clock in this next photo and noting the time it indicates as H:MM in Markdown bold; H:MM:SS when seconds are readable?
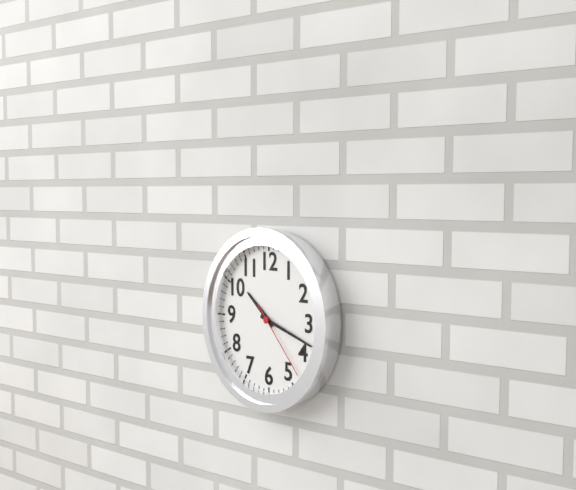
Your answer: **10:18:23**
